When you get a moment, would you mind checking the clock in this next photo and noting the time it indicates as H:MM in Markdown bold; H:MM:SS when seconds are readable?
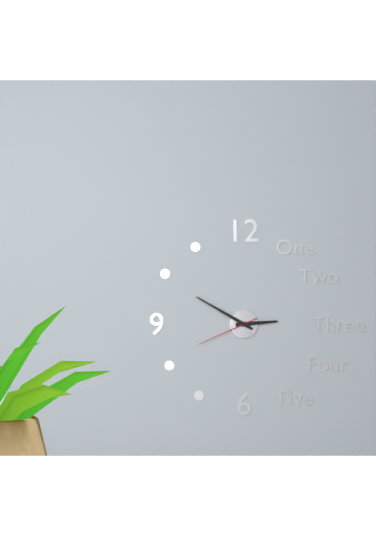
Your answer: **2:50:41**
